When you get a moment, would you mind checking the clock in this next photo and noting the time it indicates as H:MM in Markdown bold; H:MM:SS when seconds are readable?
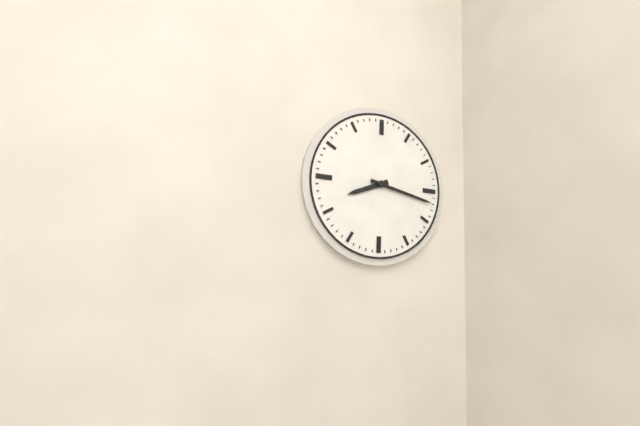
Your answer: **8:17**
